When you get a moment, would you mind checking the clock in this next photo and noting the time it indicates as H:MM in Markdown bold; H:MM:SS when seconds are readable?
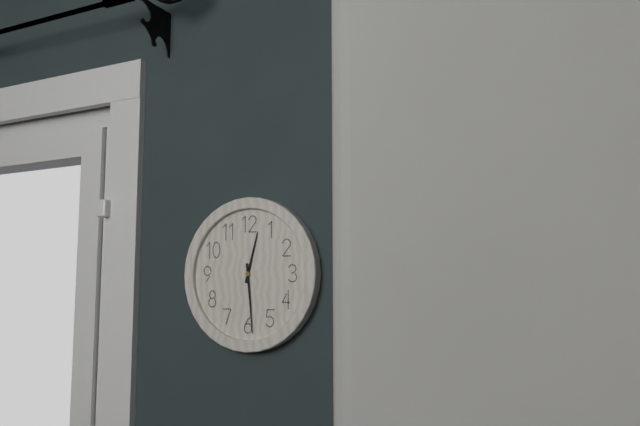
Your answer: **12:29**
